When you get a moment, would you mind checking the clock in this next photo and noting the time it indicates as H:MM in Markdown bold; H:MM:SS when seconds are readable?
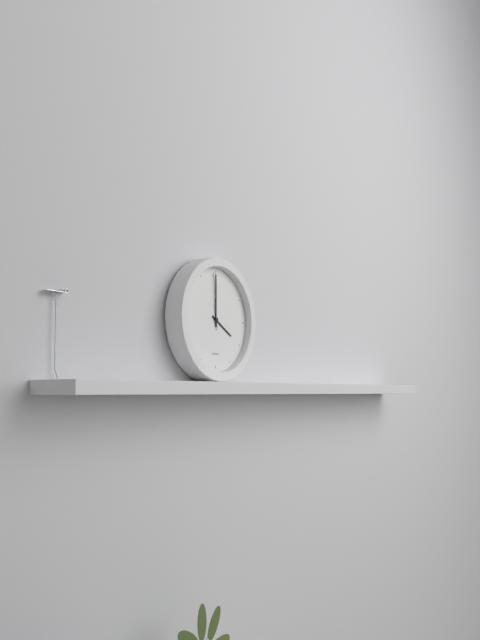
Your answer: **4:00:59**
